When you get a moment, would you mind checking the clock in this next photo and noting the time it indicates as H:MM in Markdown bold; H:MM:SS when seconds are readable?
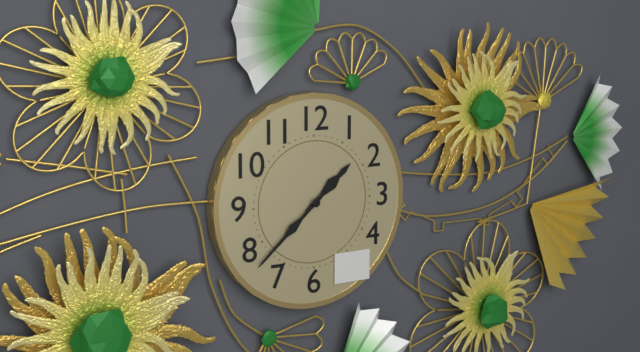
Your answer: **1:38**
